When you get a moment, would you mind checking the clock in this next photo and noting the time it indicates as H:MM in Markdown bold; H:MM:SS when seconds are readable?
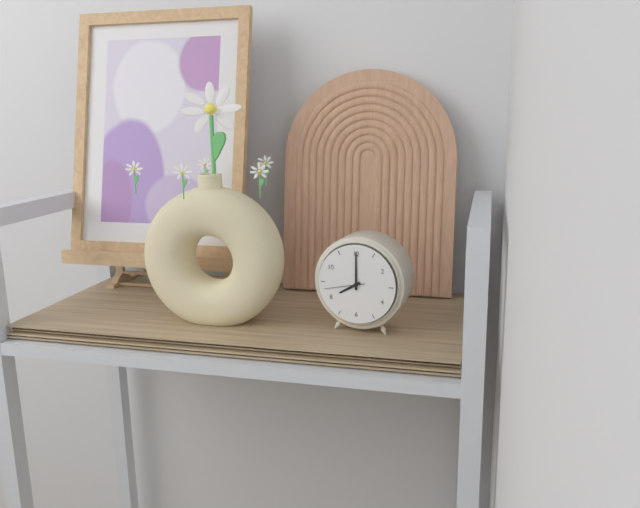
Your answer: **8:00**
